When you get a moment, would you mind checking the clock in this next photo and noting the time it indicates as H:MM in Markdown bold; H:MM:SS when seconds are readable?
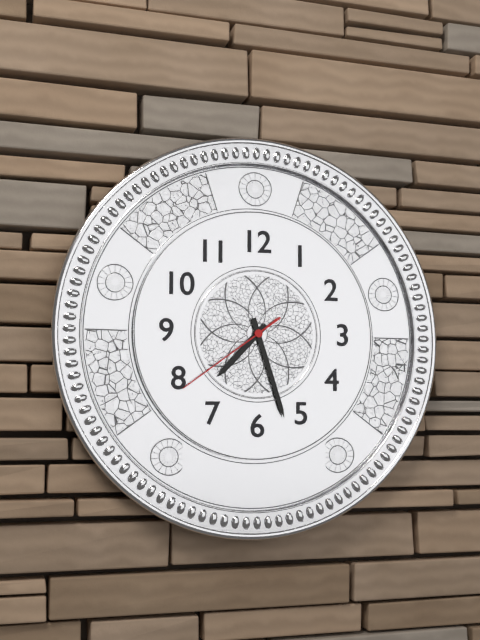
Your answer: **7:27:39**
